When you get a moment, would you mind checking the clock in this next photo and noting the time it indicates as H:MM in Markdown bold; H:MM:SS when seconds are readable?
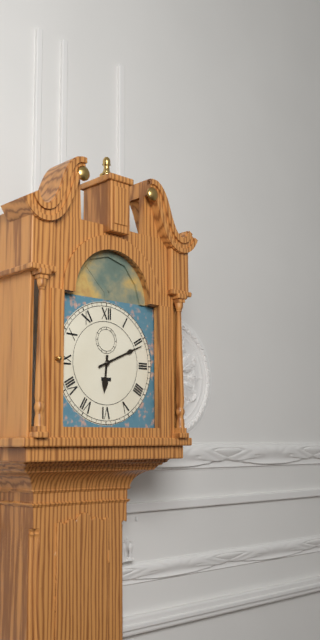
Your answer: **6:11**
